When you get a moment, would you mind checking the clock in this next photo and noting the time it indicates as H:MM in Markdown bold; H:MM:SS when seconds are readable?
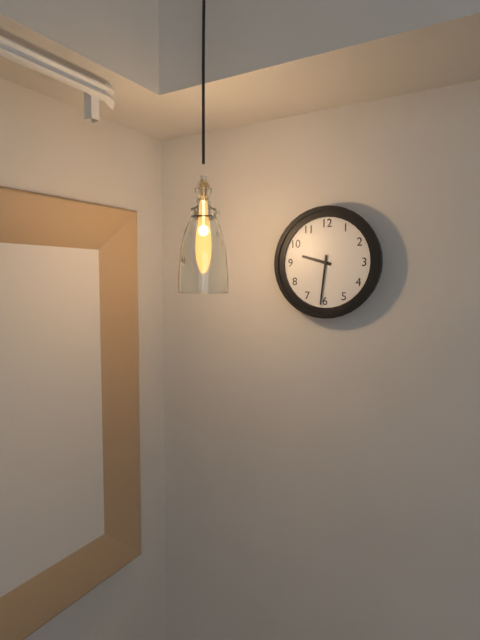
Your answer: **9:31**
